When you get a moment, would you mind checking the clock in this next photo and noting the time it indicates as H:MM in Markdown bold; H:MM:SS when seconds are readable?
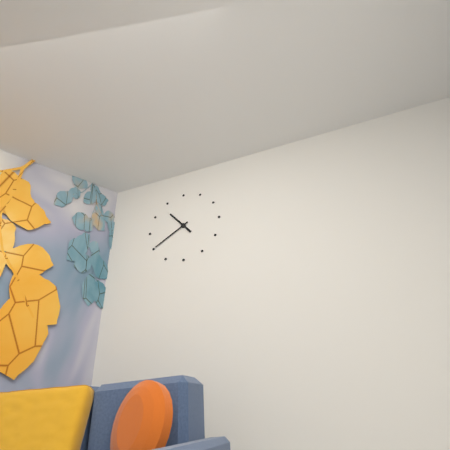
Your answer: **10:40**
